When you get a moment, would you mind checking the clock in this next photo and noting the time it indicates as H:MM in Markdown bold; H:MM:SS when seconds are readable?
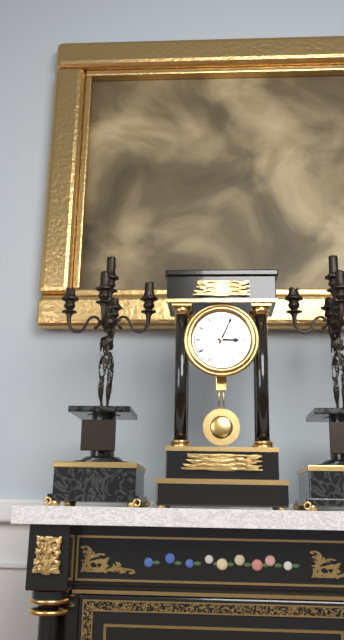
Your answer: **3:04**
